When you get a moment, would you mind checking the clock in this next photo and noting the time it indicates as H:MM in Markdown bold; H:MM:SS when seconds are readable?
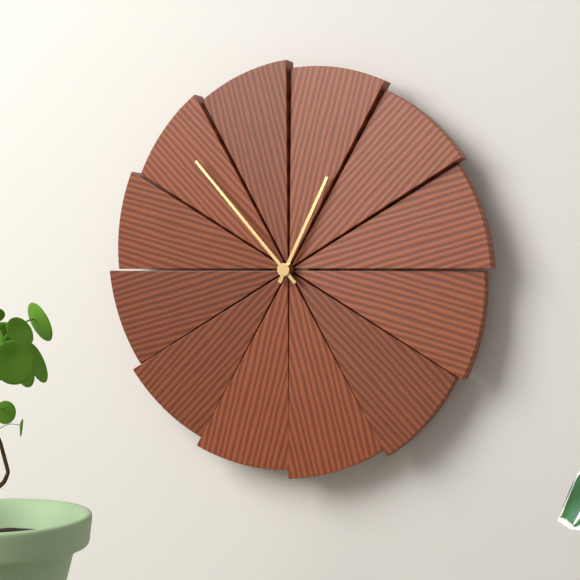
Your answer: **12:53**
